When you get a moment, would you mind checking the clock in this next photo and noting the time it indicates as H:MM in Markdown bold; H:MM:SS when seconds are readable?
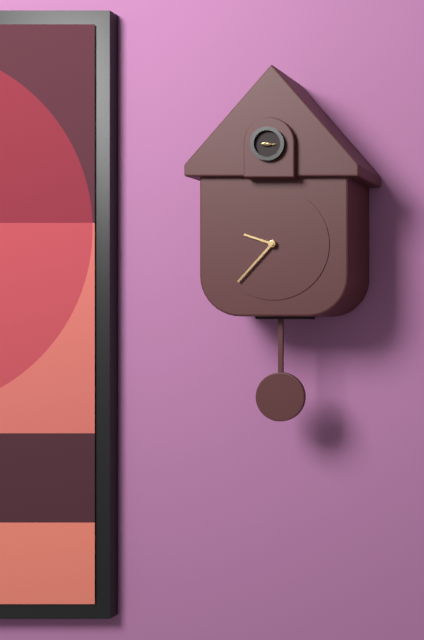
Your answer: **9:37**
